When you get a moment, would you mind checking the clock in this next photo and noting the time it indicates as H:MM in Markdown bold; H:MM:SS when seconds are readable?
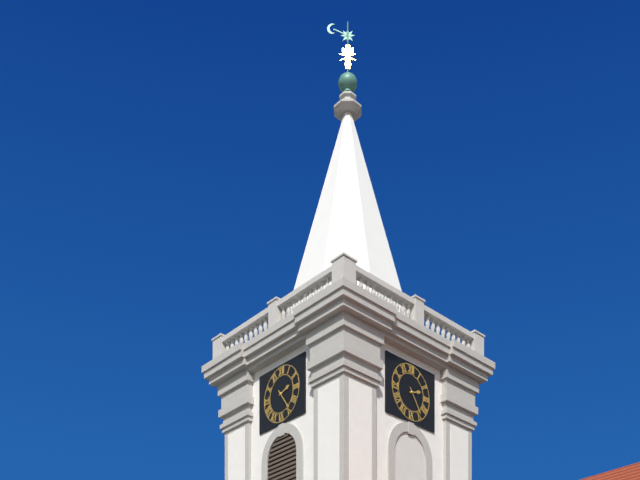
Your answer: **2:24**
